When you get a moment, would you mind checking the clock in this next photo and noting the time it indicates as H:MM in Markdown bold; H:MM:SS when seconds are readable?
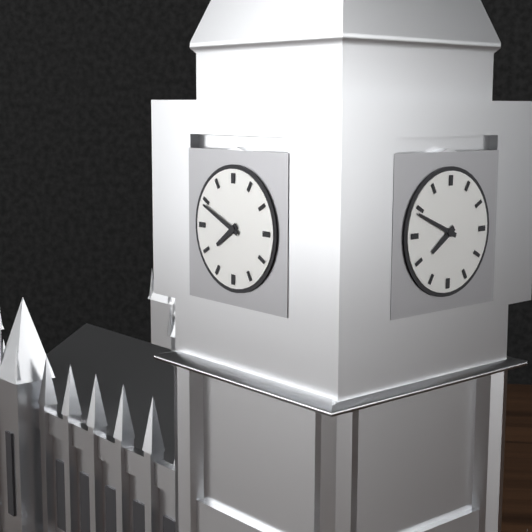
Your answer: **7:49**
